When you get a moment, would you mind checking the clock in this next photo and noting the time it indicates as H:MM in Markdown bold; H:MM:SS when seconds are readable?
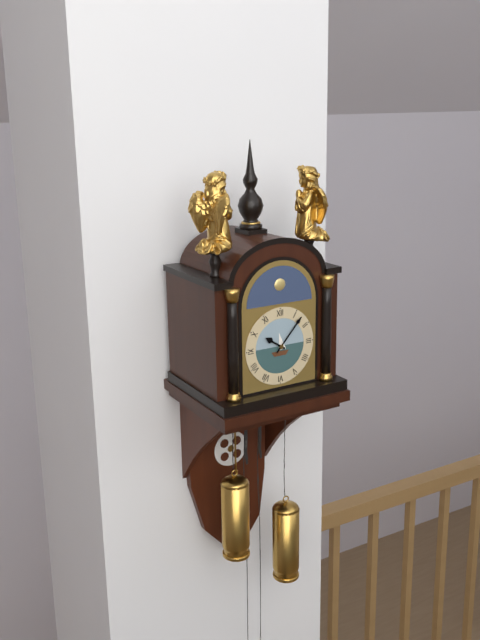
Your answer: **10:07**
